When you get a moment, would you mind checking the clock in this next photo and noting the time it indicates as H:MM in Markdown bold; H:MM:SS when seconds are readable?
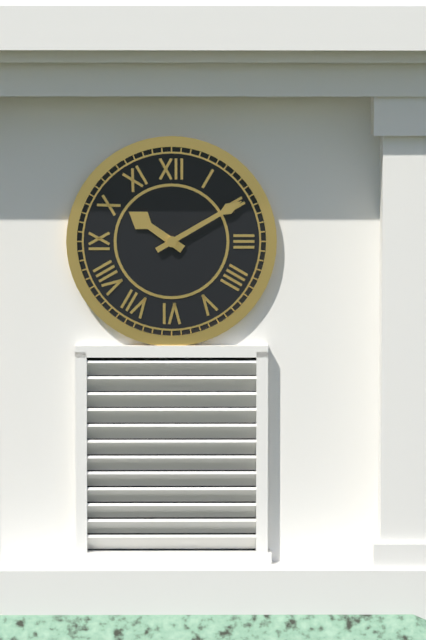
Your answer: **10:10**
